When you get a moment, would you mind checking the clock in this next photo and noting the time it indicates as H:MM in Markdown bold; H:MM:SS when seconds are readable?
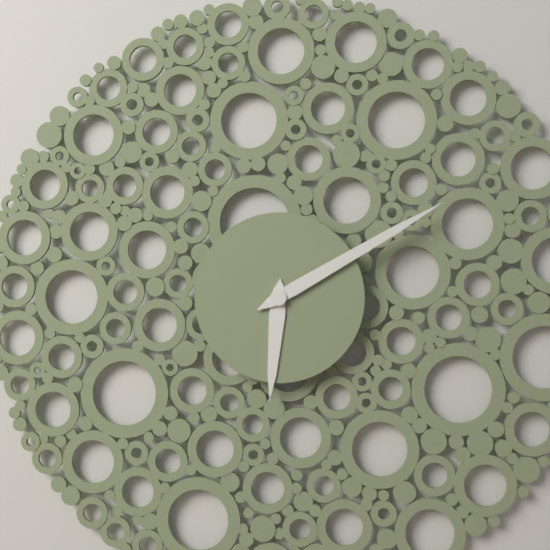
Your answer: **6:10**
